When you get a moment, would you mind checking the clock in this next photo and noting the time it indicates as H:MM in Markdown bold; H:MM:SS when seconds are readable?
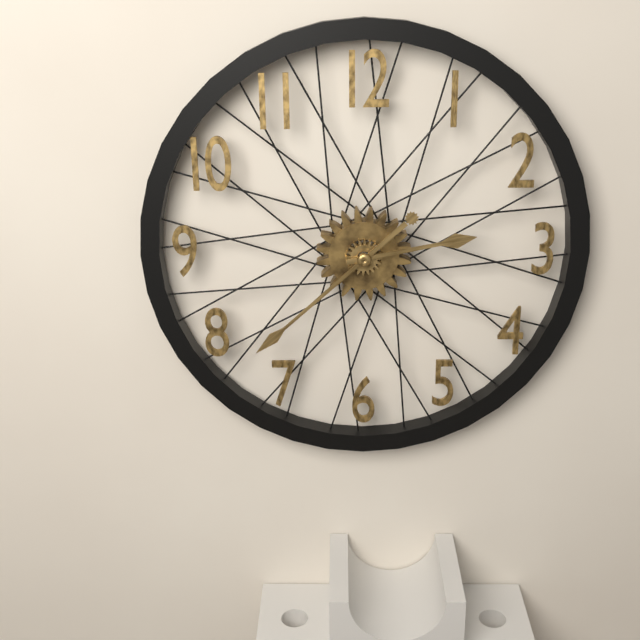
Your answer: **2:38**
